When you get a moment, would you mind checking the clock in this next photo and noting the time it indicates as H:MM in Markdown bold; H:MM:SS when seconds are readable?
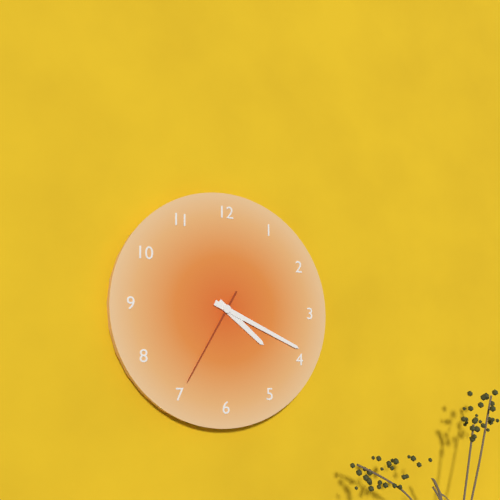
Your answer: **4:19:35**
